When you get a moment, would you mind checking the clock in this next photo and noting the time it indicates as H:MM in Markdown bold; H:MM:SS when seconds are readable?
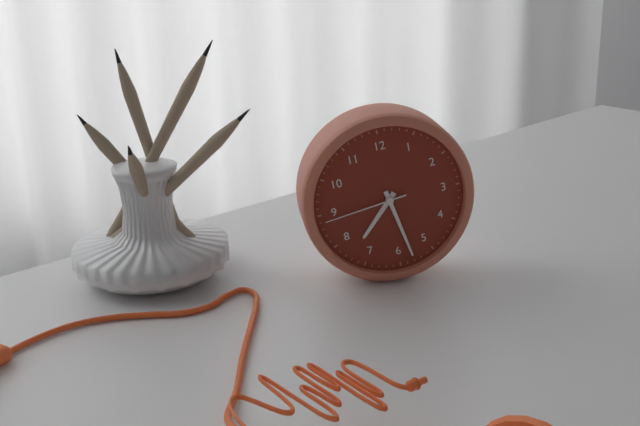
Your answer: **7:28:44**
